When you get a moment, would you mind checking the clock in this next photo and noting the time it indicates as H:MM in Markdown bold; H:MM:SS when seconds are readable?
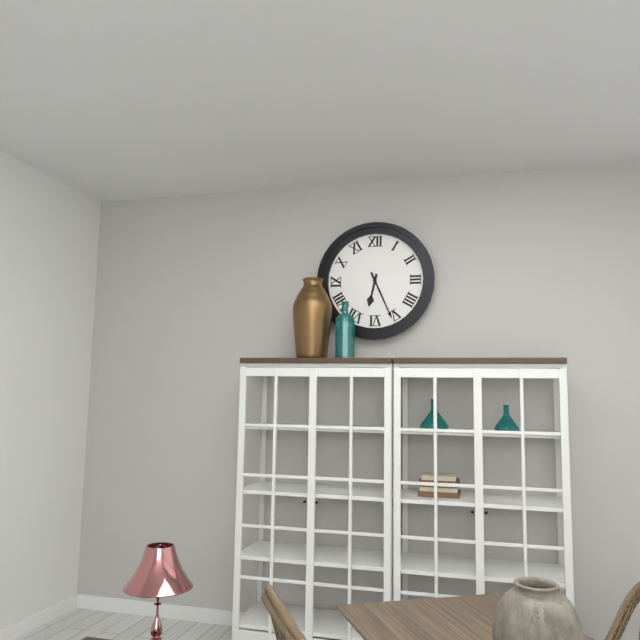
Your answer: **6:26**
